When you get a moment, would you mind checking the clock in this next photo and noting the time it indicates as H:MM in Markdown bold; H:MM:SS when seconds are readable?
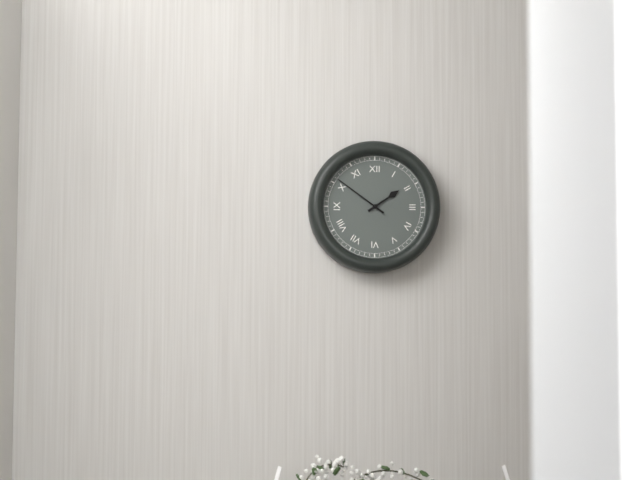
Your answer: **1:51**
